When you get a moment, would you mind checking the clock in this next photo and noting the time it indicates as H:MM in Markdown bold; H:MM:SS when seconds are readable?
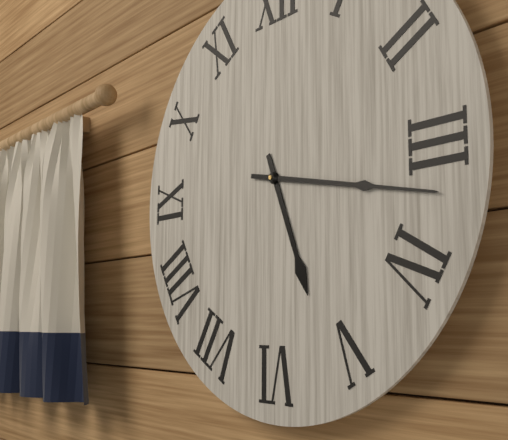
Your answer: **5:17**
